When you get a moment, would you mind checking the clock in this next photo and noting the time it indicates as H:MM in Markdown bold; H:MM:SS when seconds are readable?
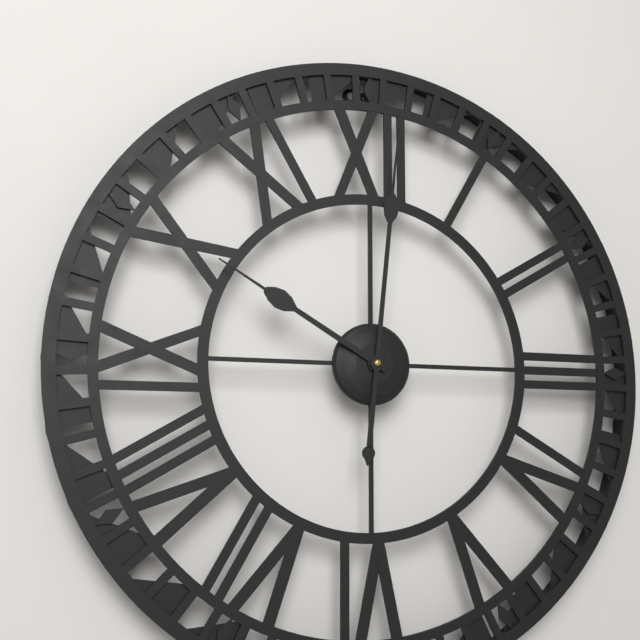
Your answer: **10:01**
